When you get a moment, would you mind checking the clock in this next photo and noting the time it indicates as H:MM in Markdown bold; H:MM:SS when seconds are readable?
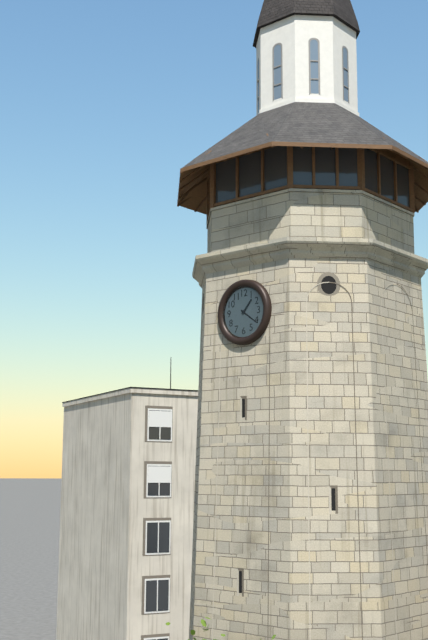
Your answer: **1:21**
